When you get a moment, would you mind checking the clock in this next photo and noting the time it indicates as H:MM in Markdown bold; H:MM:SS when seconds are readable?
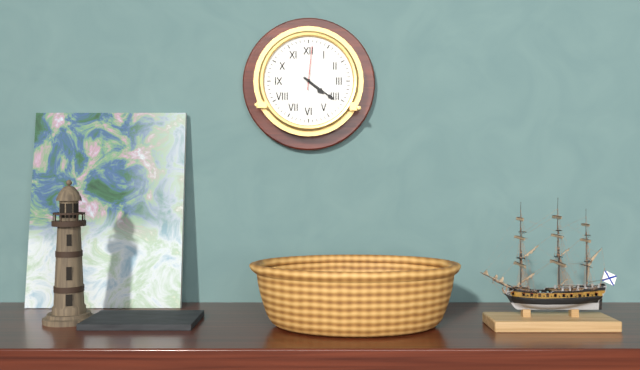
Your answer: **4:21**
